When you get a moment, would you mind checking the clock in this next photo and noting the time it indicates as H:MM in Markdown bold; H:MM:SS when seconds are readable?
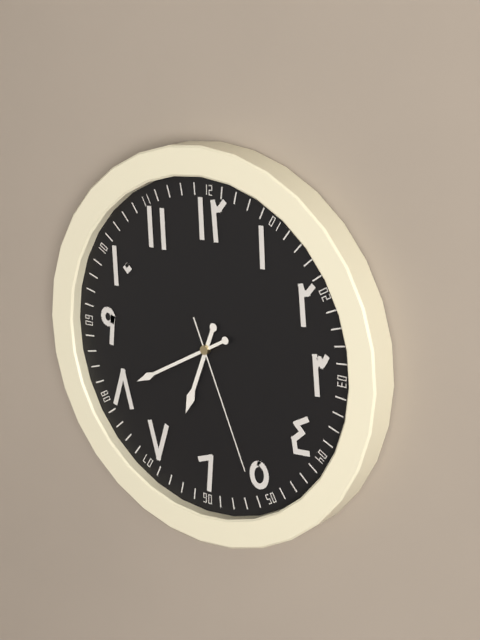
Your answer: **6:40:26**
